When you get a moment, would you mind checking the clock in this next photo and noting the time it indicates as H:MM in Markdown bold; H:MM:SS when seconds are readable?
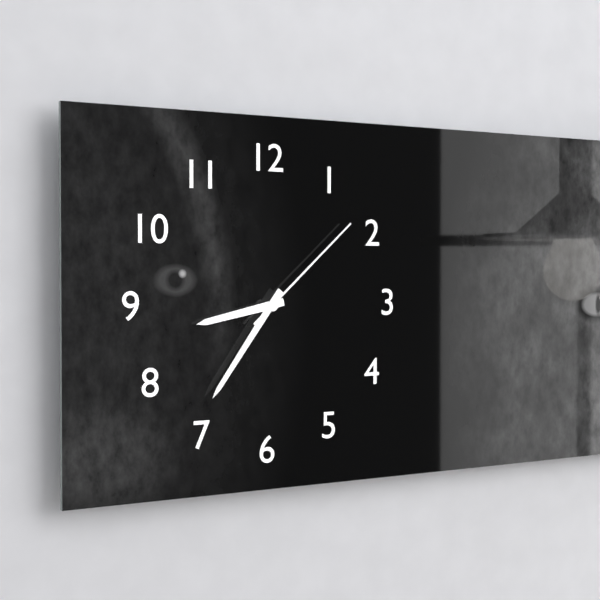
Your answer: **8:36:08**
